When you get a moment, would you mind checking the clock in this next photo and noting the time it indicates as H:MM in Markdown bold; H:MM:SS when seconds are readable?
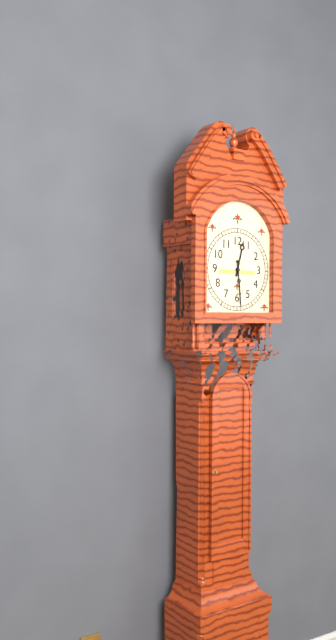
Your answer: **12:29**
